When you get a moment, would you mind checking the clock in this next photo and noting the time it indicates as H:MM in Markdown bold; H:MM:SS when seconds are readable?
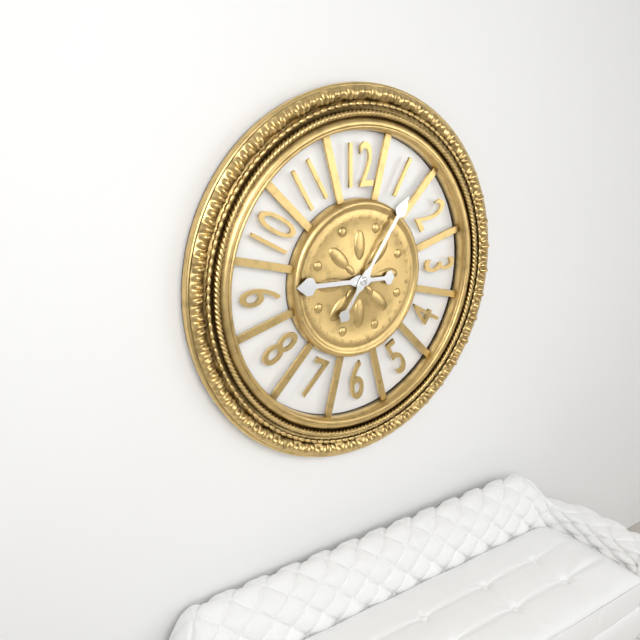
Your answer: **9:06**
